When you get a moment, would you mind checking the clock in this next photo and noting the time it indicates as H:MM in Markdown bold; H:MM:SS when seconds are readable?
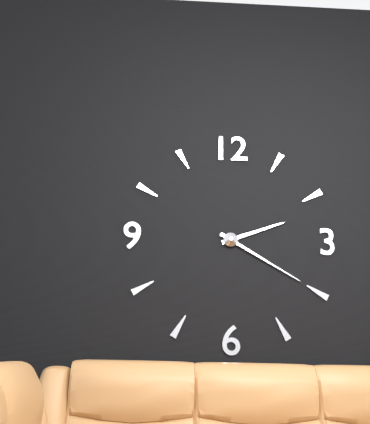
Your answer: **2:20**
